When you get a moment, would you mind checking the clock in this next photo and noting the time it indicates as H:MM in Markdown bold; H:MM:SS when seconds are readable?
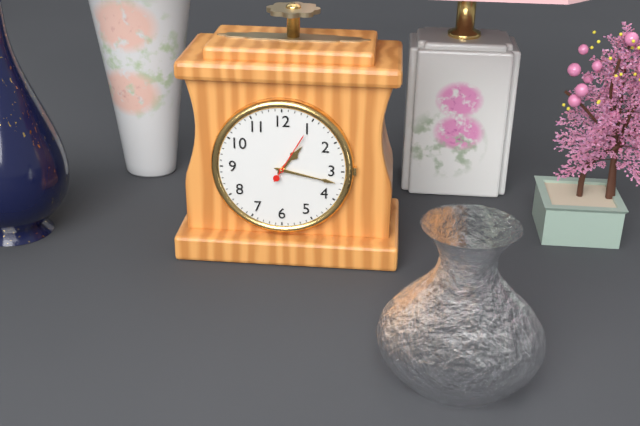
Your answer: **1:17:05**
